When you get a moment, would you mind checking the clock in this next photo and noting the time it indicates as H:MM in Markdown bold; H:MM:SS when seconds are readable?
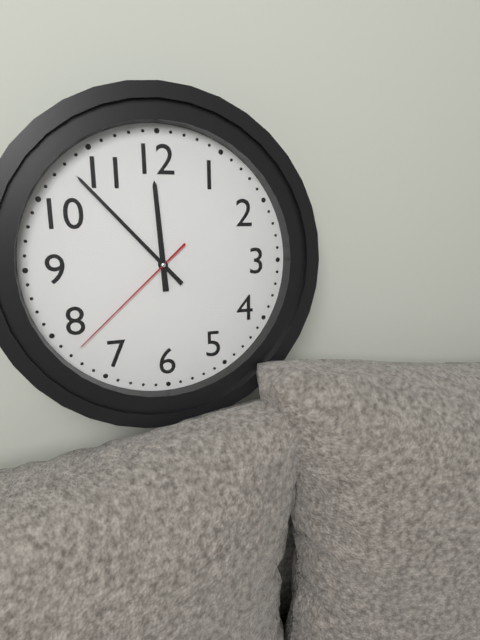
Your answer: **11:53:38**
